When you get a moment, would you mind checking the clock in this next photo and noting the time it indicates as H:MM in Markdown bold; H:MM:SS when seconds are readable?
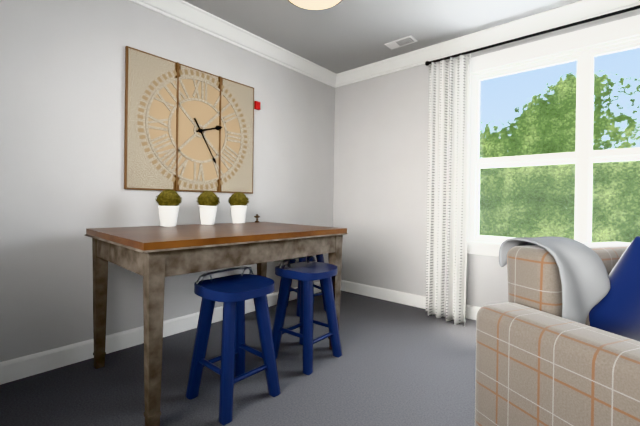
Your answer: **2:25**
